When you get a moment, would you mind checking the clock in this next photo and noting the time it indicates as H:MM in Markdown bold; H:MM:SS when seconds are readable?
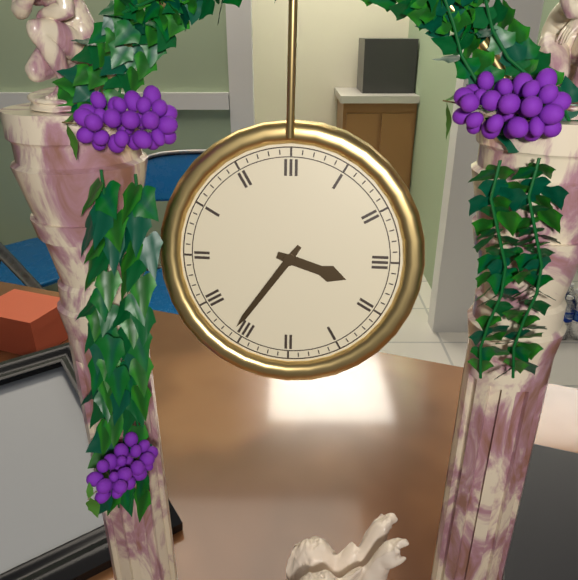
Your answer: **3:36**
